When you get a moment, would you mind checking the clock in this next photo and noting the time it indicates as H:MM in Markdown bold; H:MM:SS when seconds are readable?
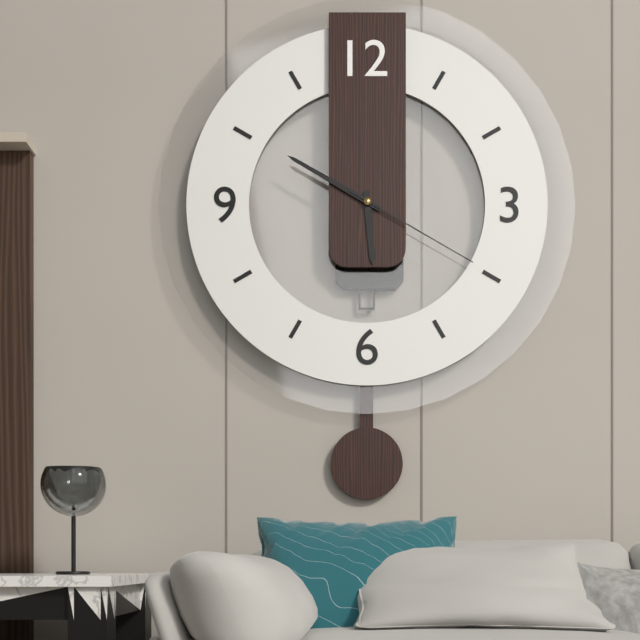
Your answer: **5:50:20**
